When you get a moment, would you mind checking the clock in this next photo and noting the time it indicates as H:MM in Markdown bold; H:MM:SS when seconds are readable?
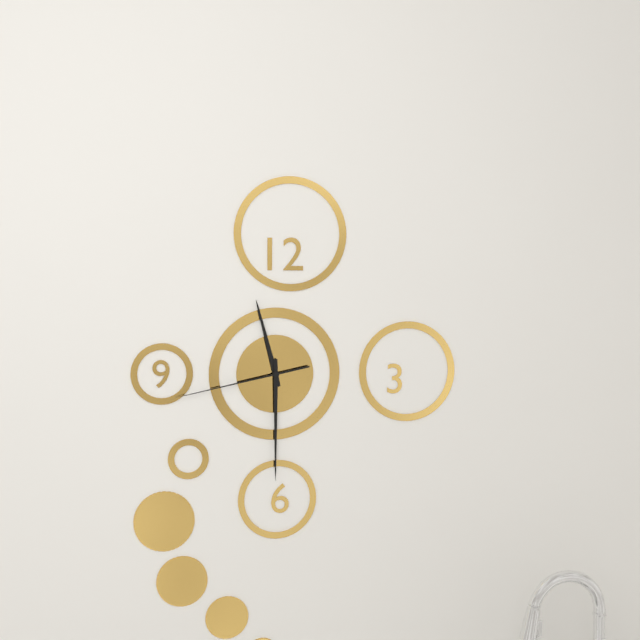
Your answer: **11:30:43**
